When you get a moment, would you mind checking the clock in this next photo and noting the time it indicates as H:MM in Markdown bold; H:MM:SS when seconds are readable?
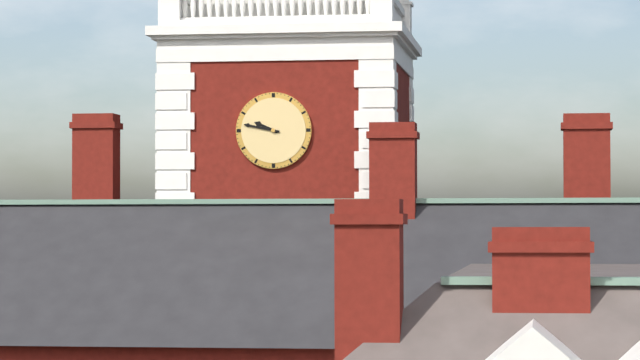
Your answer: **9:47**
